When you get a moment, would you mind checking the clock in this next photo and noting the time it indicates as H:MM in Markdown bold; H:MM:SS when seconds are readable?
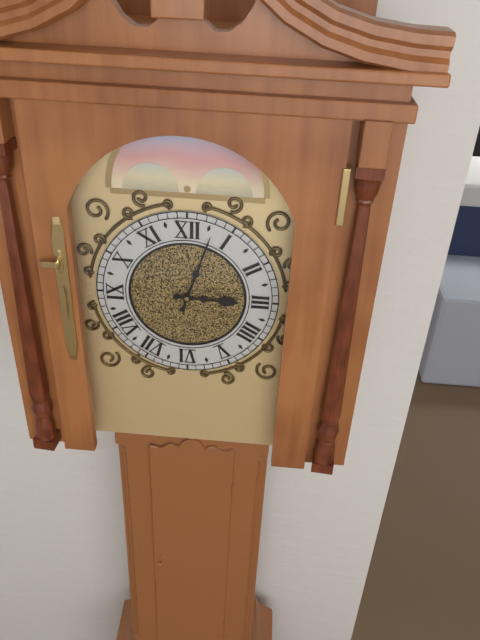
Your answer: **3:03**
